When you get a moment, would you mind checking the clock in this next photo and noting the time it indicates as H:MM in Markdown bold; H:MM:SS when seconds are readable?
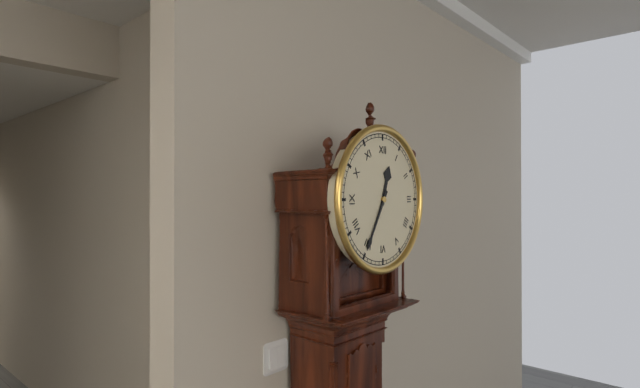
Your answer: **12:35**
